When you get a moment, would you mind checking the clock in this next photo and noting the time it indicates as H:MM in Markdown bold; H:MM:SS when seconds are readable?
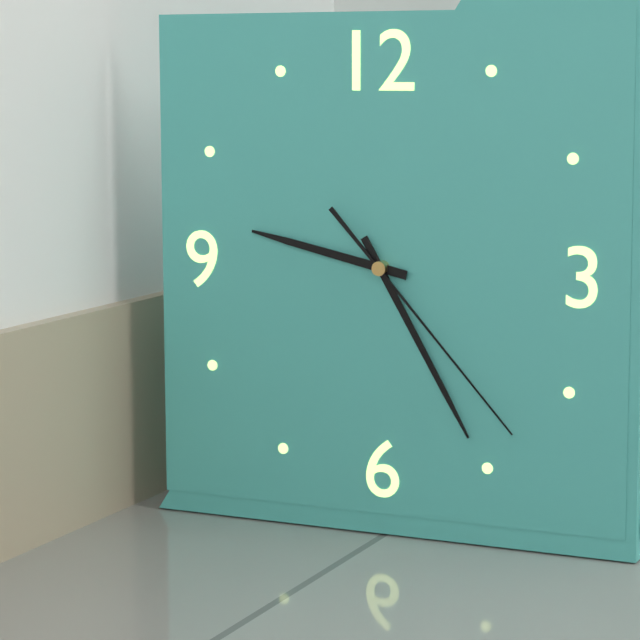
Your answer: **9:25:23**
